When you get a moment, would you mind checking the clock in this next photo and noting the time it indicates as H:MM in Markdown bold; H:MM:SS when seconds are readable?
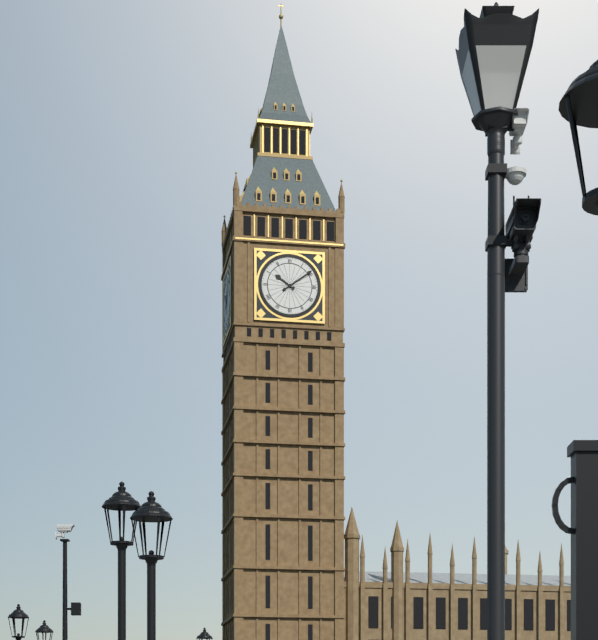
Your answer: **10:09**
